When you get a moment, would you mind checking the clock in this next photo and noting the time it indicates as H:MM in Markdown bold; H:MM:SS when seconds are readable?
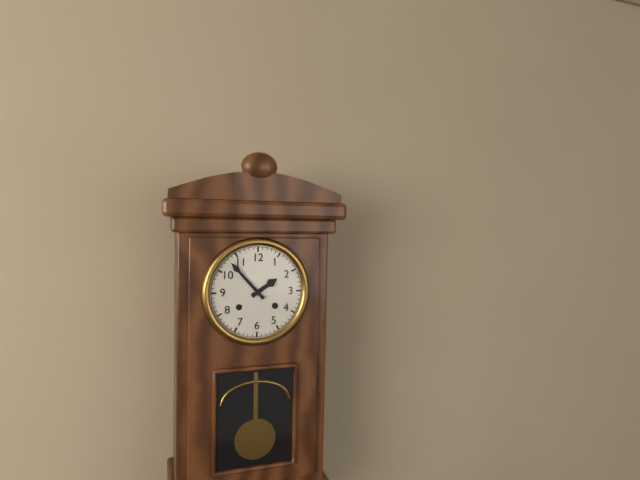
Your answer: **1:53**
